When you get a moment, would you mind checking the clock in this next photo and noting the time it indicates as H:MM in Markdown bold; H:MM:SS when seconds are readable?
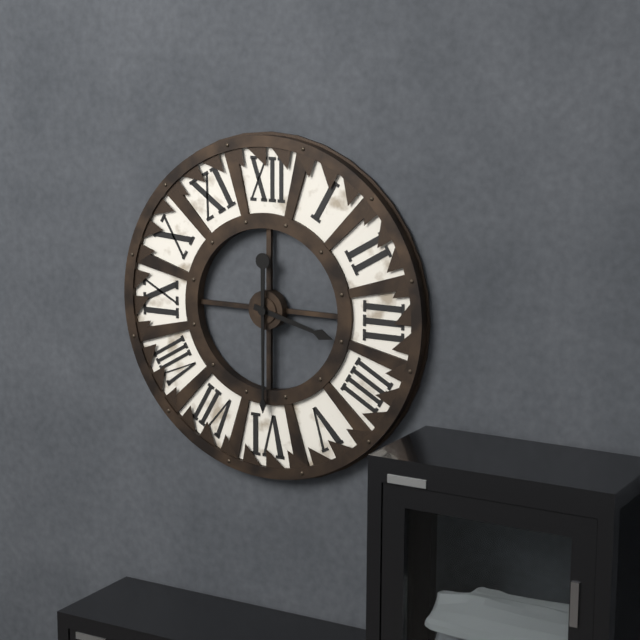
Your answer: **3:30**
